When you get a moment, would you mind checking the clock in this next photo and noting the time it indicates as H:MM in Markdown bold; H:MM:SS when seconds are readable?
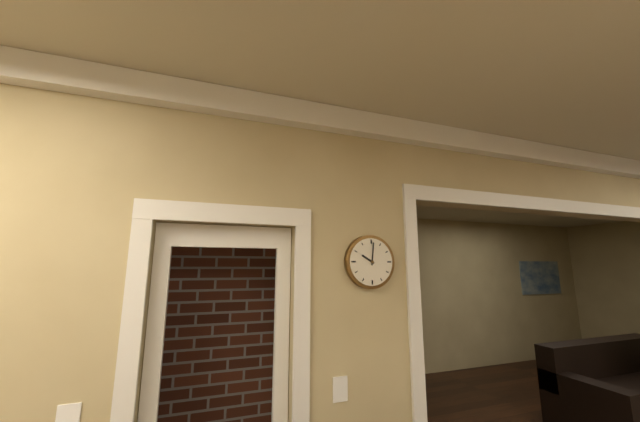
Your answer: **10:01**
